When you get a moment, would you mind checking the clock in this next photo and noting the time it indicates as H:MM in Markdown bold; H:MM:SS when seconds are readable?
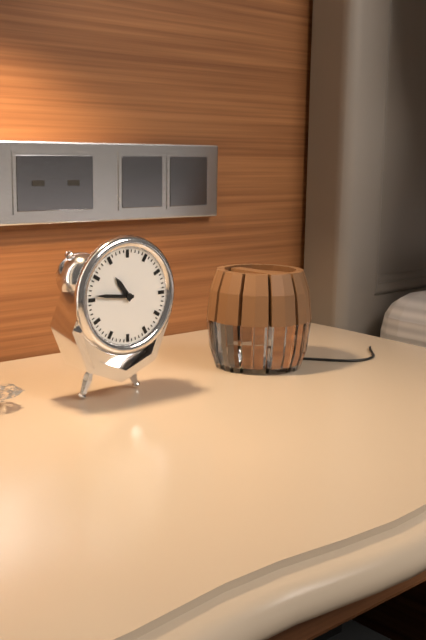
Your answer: **10:46**
